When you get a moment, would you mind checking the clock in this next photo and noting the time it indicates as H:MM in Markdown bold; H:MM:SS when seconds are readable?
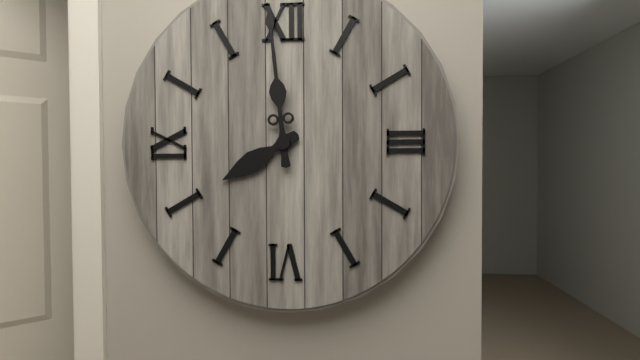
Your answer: **7:59**
